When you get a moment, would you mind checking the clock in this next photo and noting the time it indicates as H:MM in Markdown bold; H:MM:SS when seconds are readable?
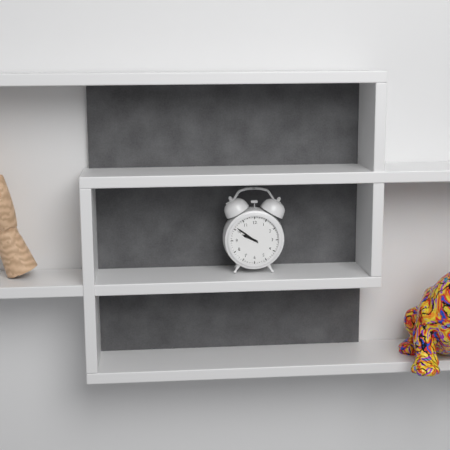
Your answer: **9:51**
